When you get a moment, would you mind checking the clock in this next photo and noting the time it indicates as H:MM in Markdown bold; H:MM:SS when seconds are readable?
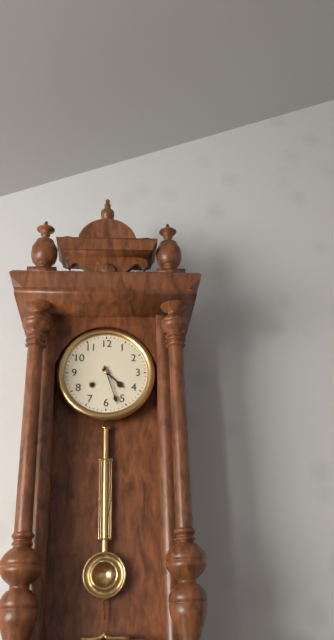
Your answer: **4:27**
